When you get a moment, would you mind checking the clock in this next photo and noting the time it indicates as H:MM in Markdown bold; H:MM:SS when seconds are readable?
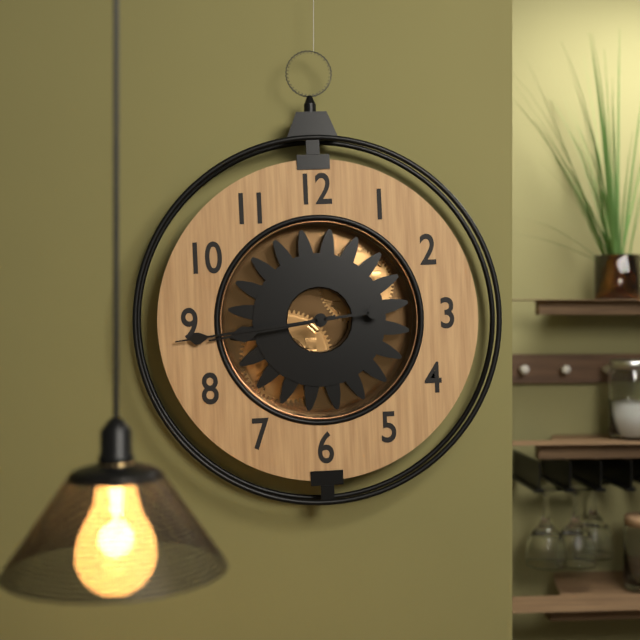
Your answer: **8:44**
